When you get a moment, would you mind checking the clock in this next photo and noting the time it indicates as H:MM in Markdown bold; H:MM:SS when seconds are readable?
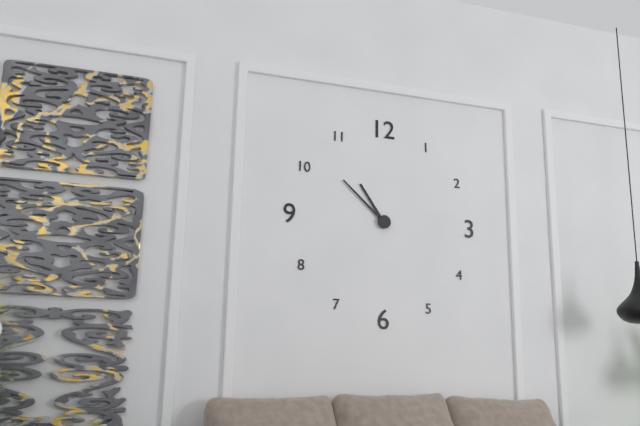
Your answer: **10:52**
